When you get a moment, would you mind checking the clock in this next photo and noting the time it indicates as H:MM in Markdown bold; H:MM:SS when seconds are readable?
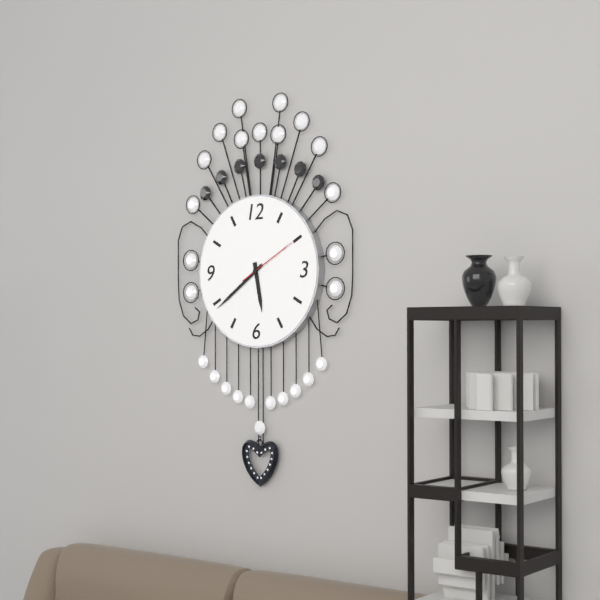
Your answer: **5:39:10**
